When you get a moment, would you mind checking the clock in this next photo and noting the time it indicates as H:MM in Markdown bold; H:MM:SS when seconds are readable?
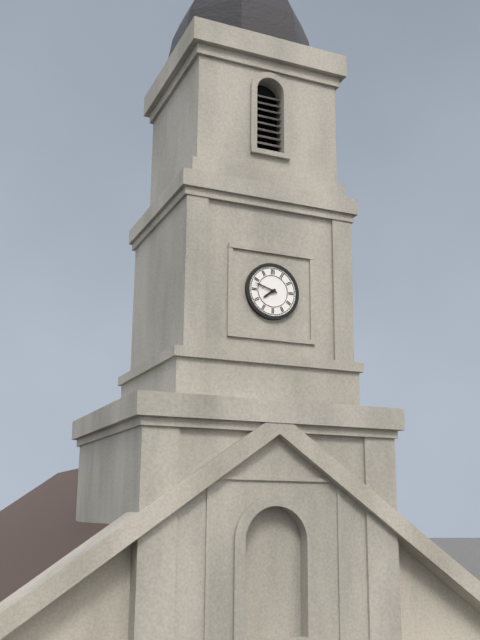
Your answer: **7:48**
